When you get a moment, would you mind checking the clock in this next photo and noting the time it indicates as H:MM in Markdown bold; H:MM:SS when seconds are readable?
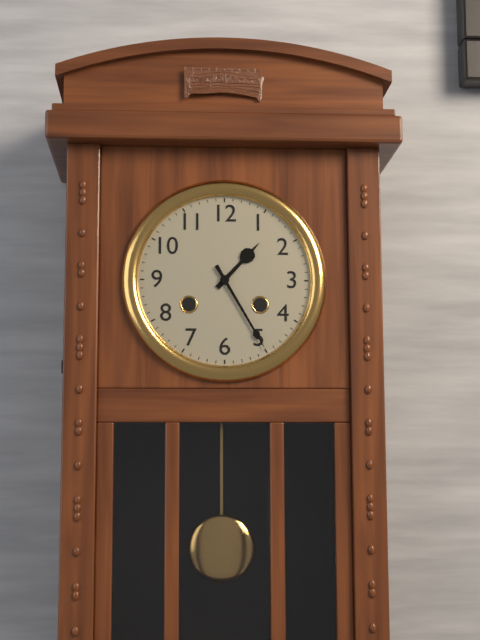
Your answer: **1:25**
